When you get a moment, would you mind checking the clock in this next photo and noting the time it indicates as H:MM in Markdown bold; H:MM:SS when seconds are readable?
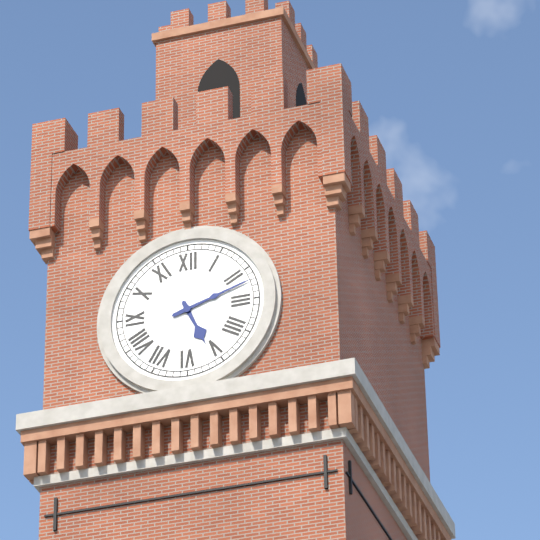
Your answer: **5:12**
